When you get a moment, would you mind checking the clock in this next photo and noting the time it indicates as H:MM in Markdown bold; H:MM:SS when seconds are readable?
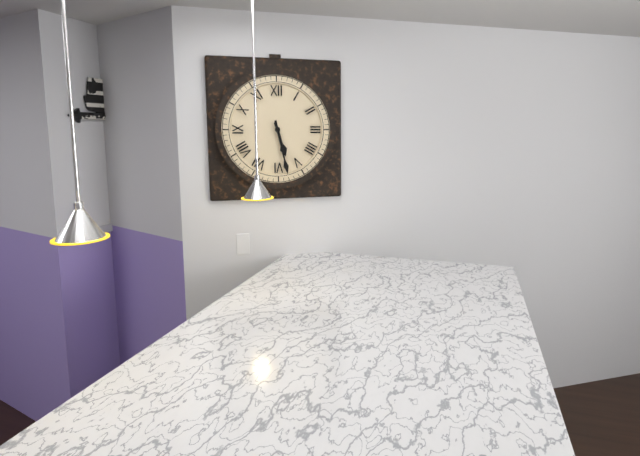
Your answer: **5:28**
